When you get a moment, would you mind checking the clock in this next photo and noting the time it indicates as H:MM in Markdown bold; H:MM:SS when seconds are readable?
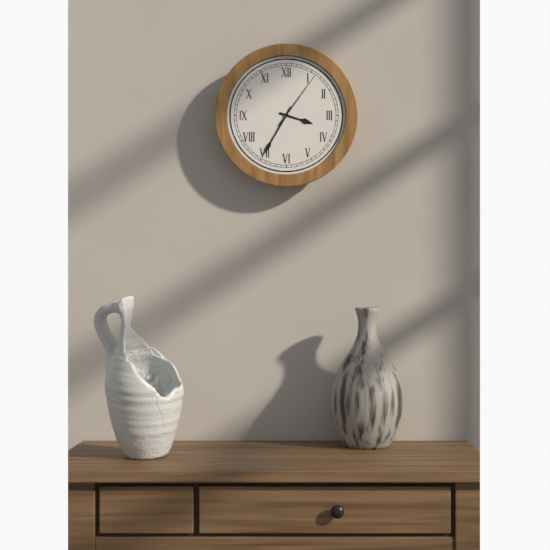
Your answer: **3:35:06**
